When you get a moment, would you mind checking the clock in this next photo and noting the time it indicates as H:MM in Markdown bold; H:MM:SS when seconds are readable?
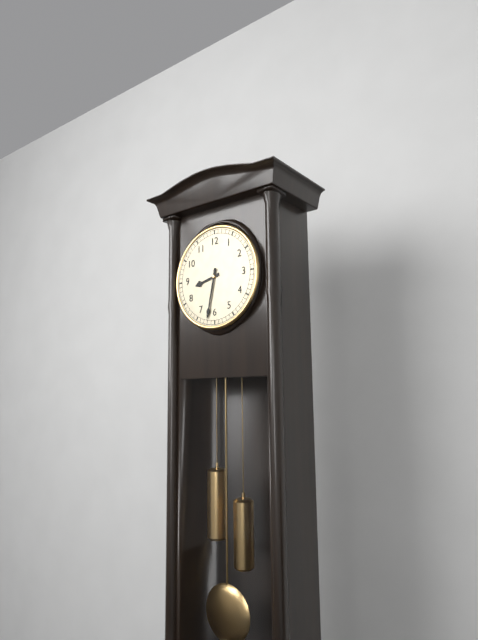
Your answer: **8:32**
